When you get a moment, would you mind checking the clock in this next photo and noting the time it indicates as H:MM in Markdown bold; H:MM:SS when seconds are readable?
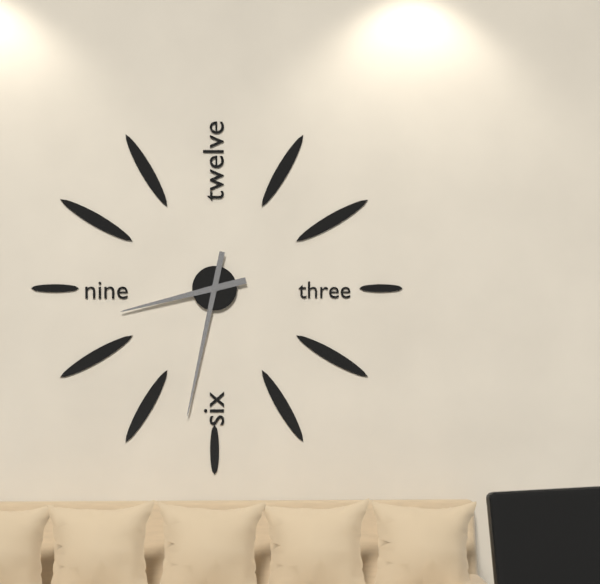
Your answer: **8:32**
